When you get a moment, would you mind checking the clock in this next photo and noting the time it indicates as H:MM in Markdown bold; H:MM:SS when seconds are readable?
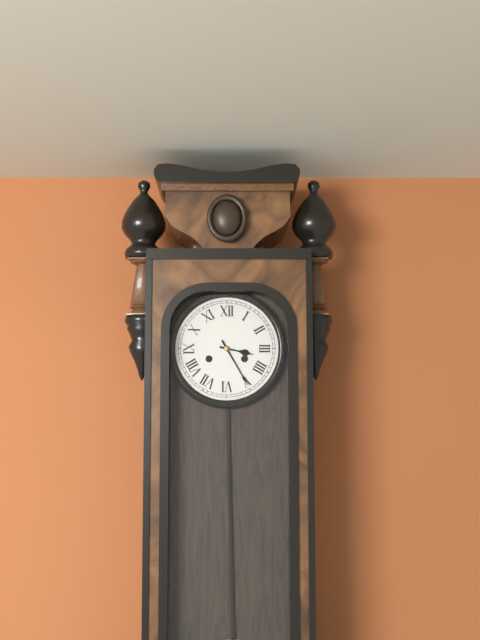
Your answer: **3:25**
